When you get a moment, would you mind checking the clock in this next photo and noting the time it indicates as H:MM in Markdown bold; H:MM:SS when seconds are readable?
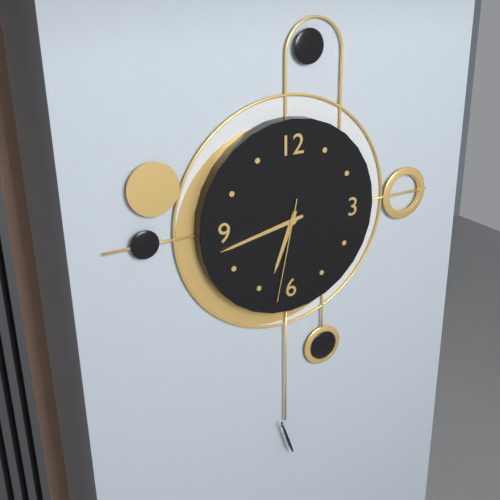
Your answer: **6:43:32**
